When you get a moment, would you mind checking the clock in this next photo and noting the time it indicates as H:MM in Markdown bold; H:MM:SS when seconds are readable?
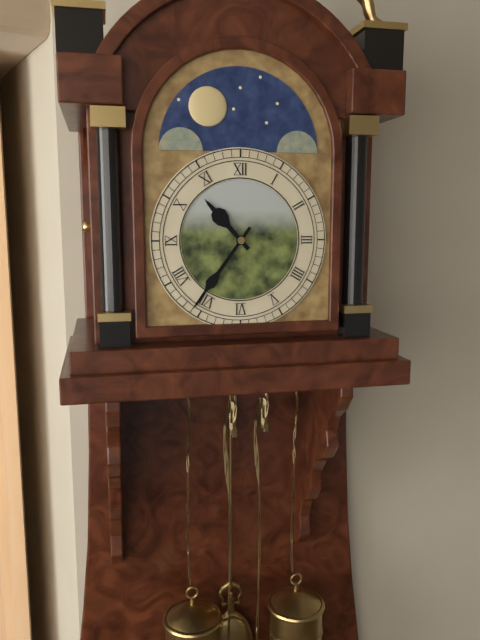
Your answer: **10:36**
